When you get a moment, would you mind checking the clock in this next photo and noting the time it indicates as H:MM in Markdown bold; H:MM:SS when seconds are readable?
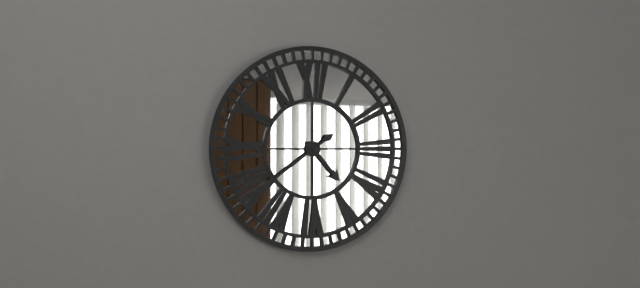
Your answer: **4:39**
